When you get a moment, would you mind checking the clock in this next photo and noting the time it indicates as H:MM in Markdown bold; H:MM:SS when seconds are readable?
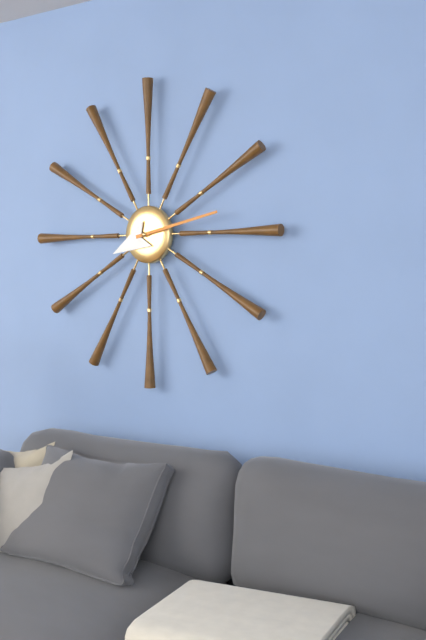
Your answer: **8:13**
